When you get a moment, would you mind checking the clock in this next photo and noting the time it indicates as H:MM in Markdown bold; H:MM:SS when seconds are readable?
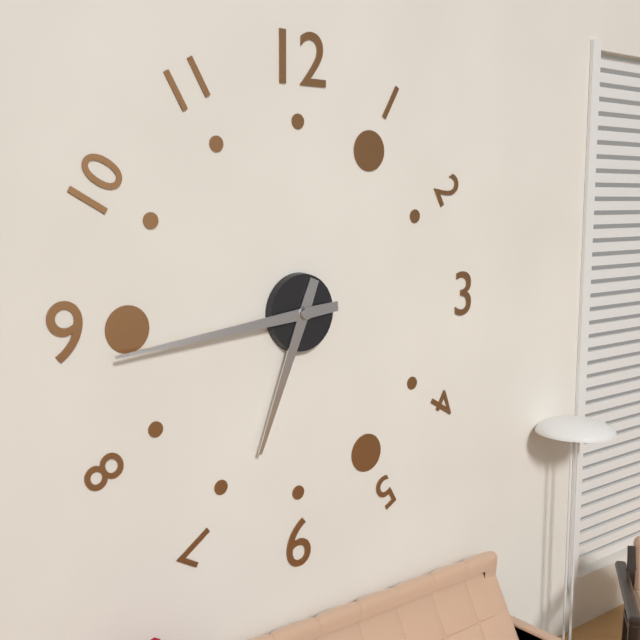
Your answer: **6:44**
